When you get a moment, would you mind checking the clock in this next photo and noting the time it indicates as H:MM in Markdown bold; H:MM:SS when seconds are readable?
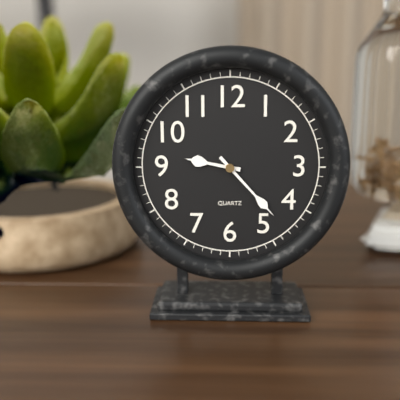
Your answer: **9:23**
